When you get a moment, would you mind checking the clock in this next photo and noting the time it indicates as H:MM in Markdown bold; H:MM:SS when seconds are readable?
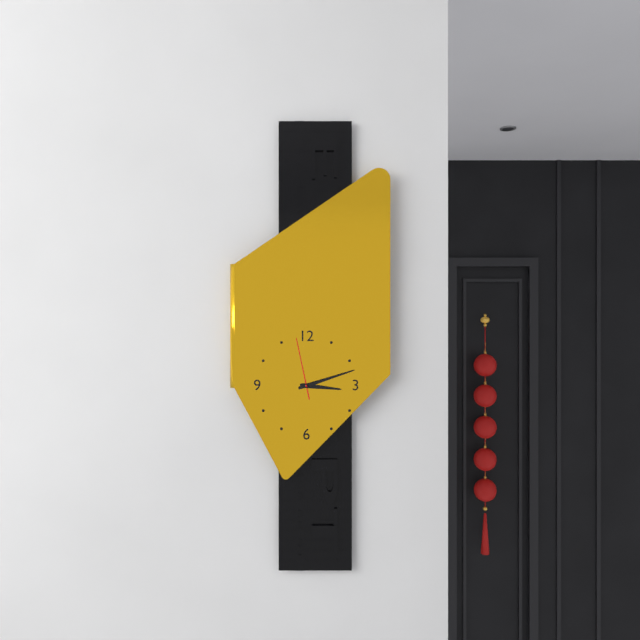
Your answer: **3:12:58**
